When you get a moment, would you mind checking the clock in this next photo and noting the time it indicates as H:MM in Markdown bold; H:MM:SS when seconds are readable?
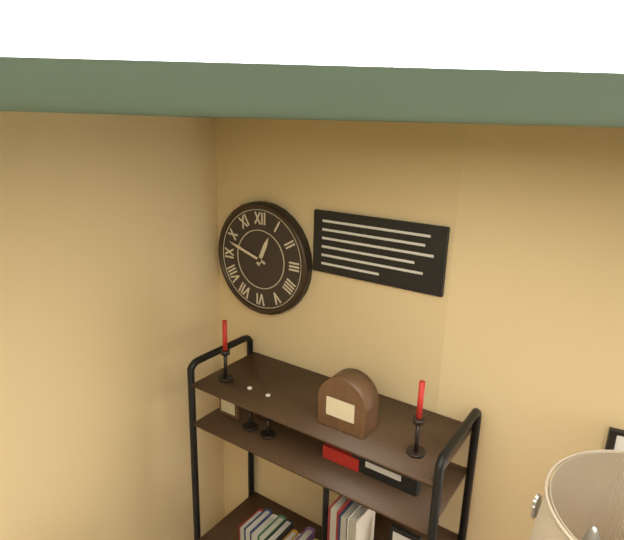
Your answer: **12:48**
